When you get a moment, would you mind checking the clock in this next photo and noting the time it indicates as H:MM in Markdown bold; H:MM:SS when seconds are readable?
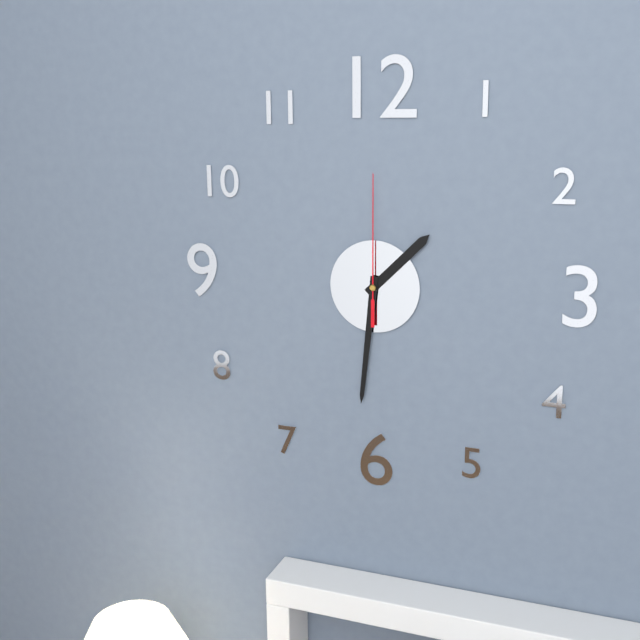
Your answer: **1:31:00**
